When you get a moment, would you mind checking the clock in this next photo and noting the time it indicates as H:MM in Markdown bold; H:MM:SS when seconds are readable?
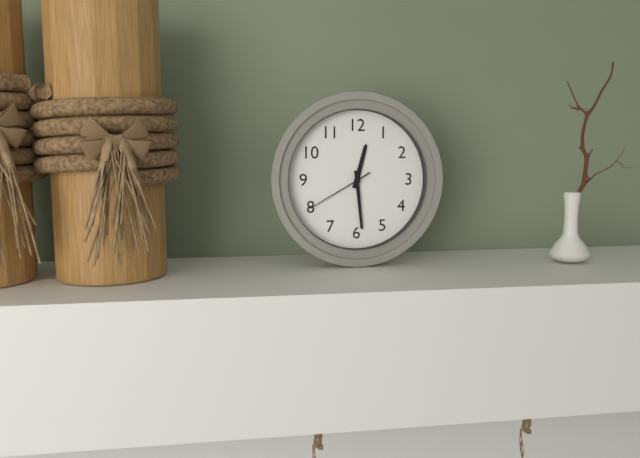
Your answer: **12:29:40**
